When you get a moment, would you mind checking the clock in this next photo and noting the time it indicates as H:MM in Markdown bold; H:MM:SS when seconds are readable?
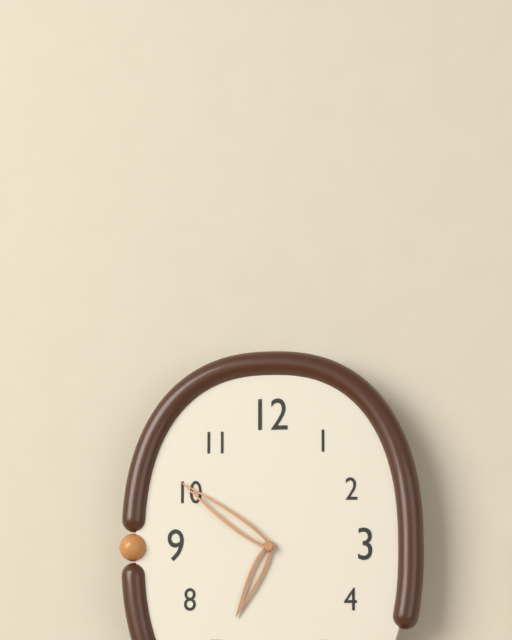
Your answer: **6:51**
